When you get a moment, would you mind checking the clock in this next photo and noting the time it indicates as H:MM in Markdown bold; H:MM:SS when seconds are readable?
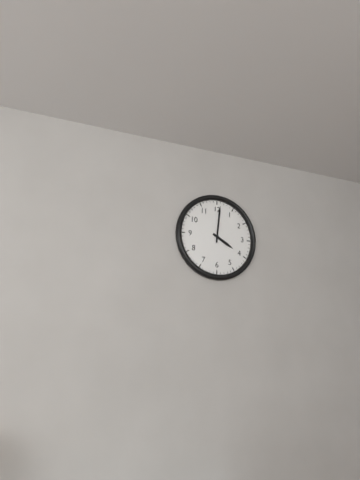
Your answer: **4:01**
